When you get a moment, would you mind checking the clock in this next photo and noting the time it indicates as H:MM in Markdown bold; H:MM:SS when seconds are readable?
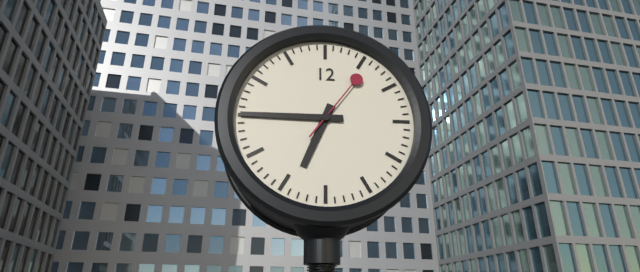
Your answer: **6:45:06**
